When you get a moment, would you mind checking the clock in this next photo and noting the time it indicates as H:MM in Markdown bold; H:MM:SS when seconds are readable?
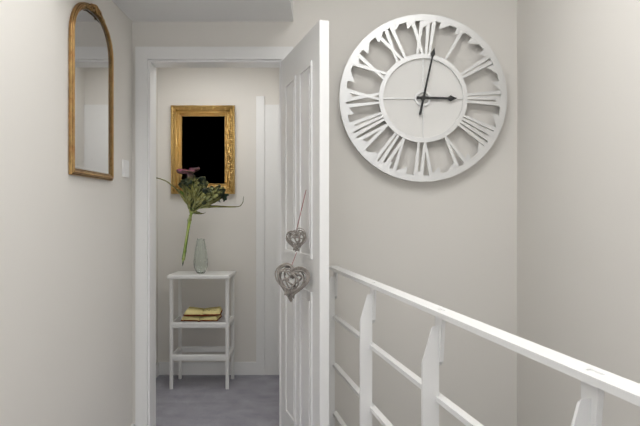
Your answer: **3:02**
